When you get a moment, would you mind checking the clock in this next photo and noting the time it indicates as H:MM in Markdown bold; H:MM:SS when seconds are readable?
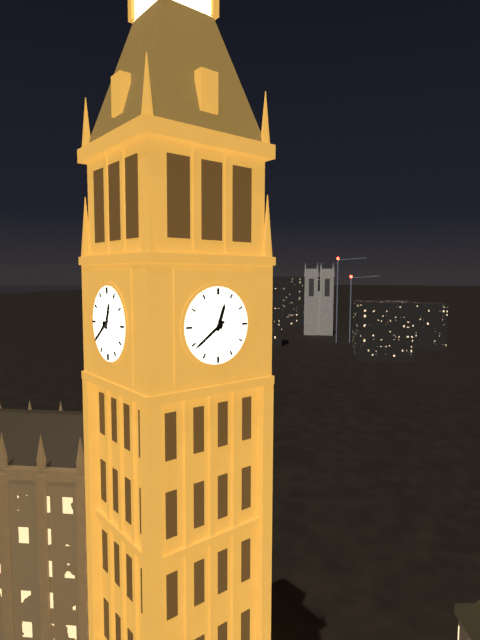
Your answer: **12:39**
